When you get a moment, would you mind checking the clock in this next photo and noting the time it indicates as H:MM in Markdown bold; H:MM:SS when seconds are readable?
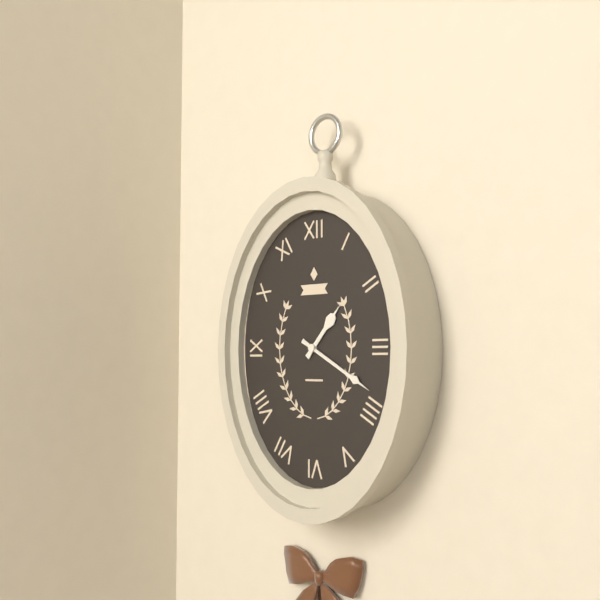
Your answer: **1:20**
